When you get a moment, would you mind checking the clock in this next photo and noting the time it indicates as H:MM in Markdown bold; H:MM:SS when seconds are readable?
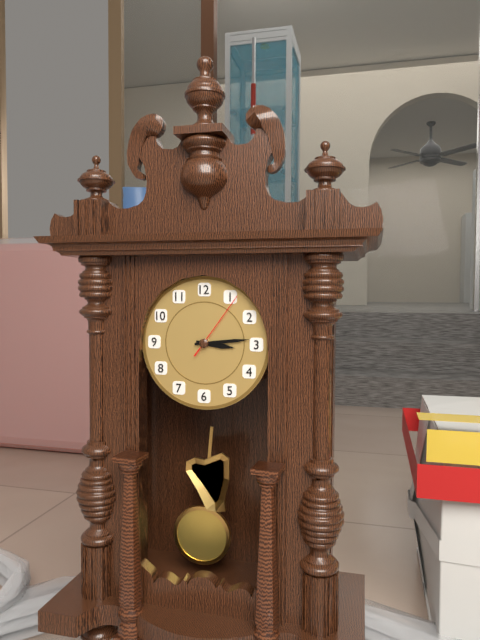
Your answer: **3:14:06**
